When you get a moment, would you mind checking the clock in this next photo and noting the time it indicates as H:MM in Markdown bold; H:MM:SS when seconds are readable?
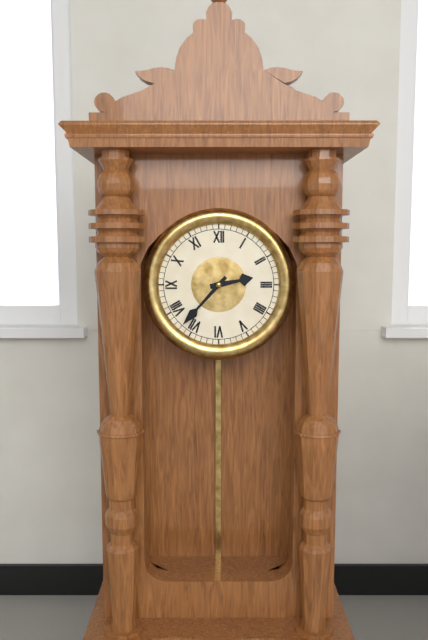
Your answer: **2:37**
